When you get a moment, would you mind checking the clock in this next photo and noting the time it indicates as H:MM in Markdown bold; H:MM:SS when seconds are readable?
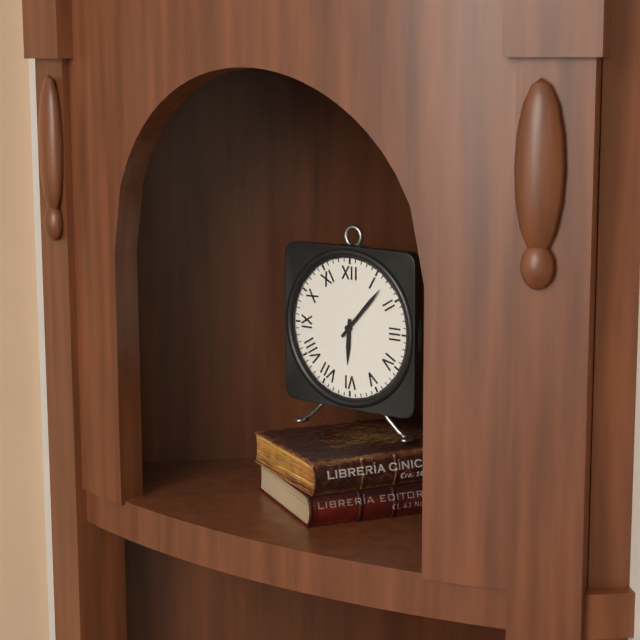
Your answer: **6:07**
